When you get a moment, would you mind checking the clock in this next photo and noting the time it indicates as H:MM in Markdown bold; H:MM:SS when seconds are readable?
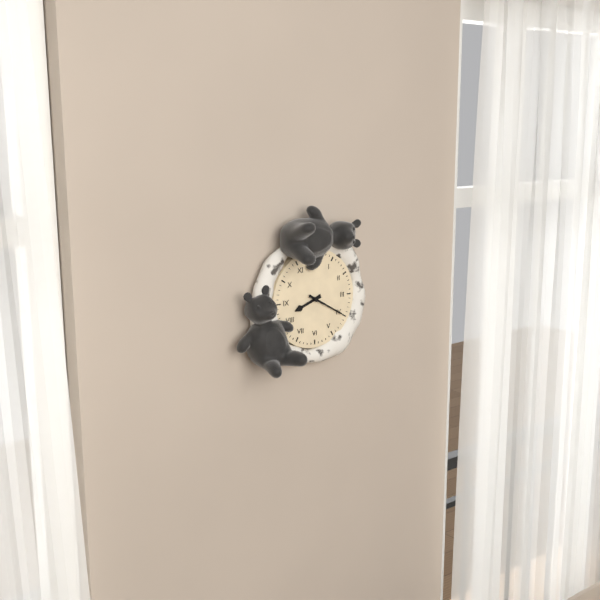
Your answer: **8:20**
